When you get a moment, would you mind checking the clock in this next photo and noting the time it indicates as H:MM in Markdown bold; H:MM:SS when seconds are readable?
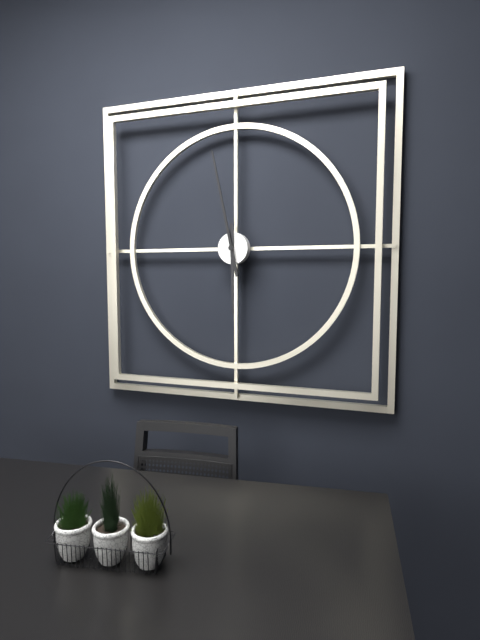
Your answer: **5:58**
